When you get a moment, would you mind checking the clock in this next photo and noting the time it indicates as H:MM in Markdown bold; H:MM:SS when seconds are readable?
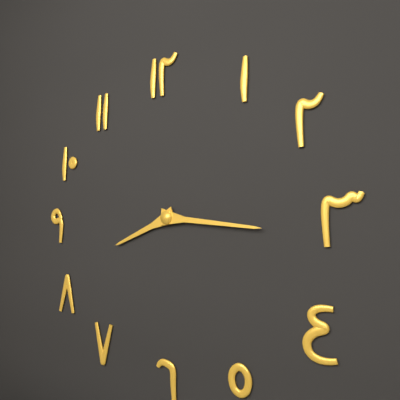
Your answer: **8:16**
